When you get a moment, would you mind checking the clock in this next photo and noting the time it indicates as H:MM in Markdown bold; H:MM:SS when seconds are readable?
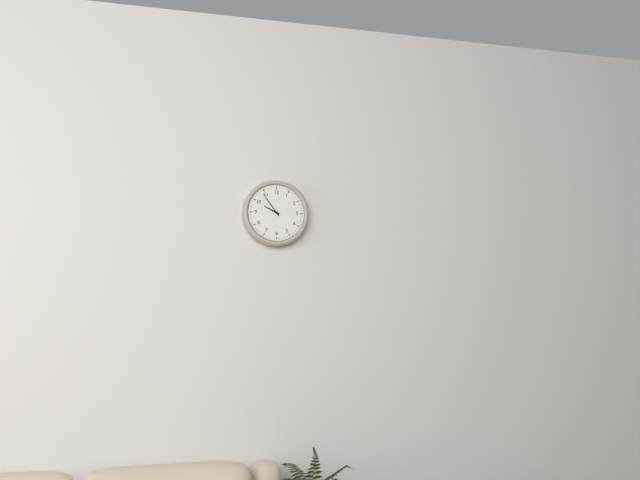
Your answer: **9:54**
